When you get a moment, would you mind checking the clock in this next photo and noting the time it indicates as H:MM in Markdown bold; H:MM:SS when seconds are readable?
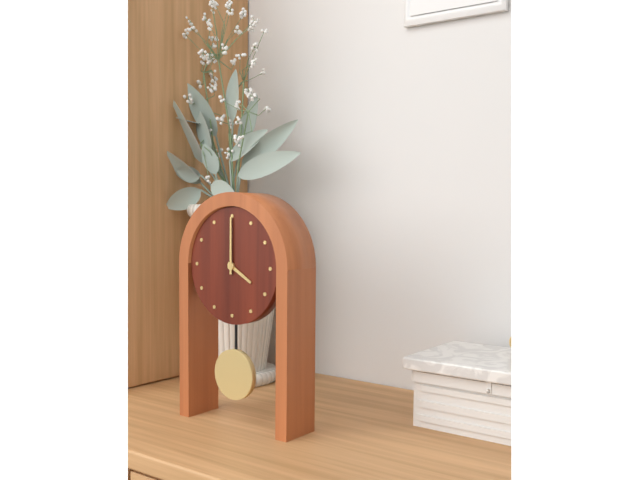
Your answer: **4:00**
